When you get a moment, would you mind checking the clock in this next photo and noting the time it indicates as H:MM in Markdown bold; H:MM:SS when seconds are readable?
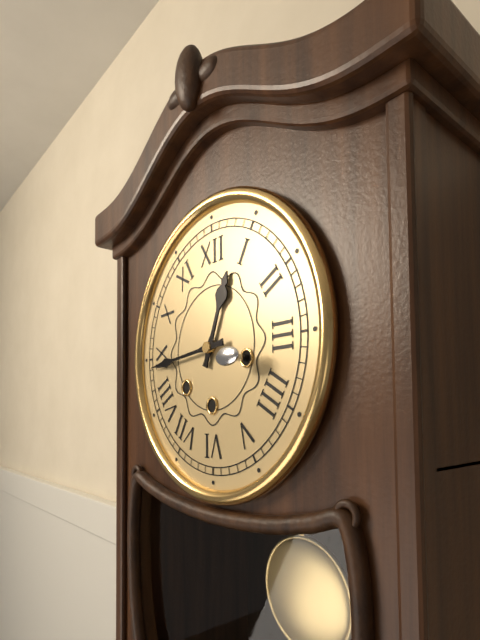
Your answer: **12:44**
